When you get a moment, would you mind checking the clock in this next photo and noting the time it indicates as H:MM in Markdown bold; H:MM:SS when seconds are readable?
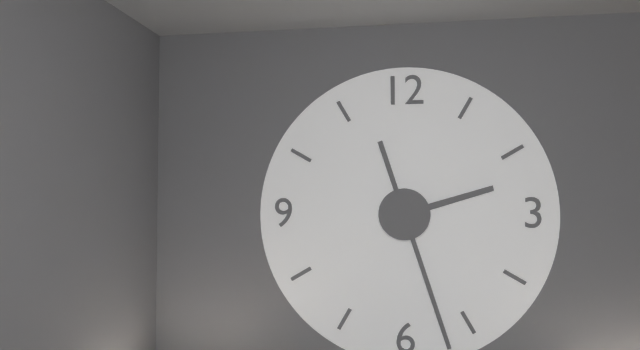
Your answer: **2:27**
